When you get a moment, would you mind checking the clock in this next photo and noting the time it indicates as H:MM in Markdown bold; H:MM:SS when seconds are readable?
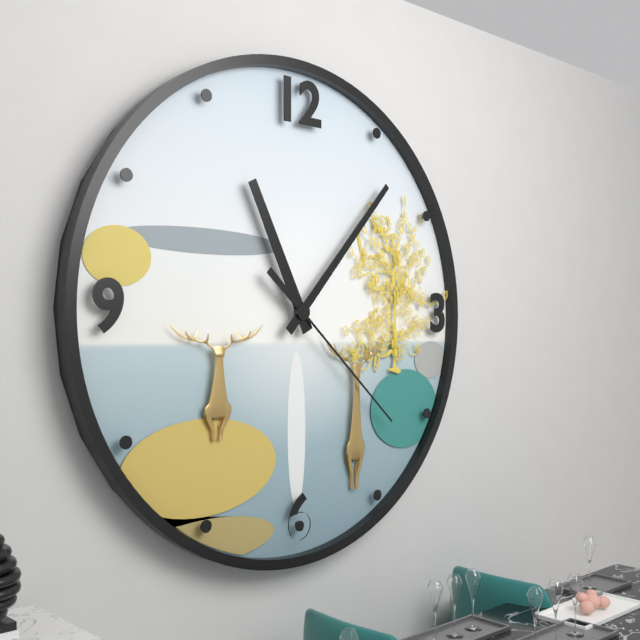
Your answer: **11:07:22**
